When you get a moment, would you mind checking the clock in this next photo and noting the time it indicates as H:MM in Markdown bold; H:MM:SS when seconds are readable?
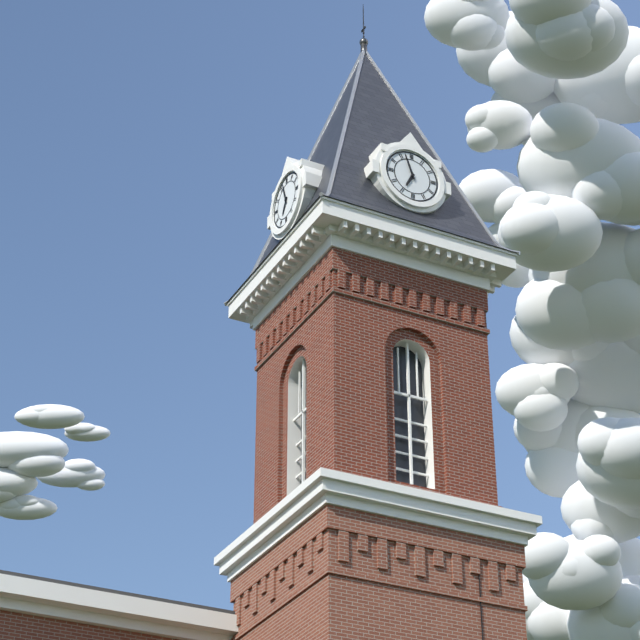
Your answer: **6:57**
